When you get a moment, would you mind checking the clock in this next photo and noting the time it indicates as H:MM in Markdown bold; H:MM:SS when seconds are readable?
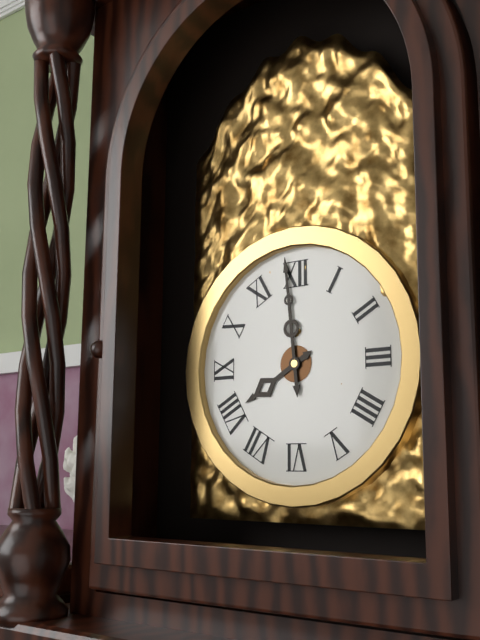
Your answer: **7:59**
